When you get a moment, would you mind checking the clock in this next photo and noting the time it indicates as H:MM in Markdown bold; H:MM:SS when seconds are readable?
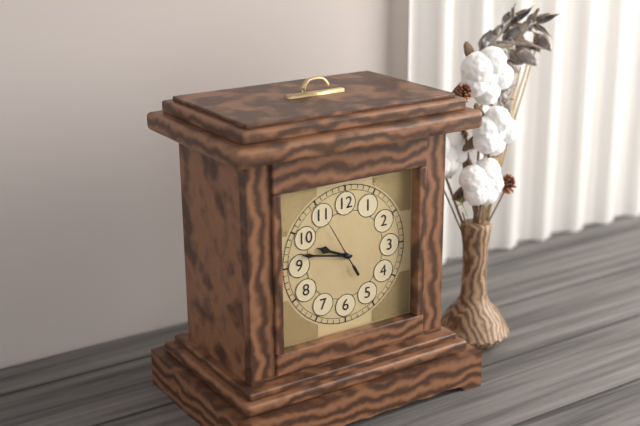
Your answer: **9:47:55**
